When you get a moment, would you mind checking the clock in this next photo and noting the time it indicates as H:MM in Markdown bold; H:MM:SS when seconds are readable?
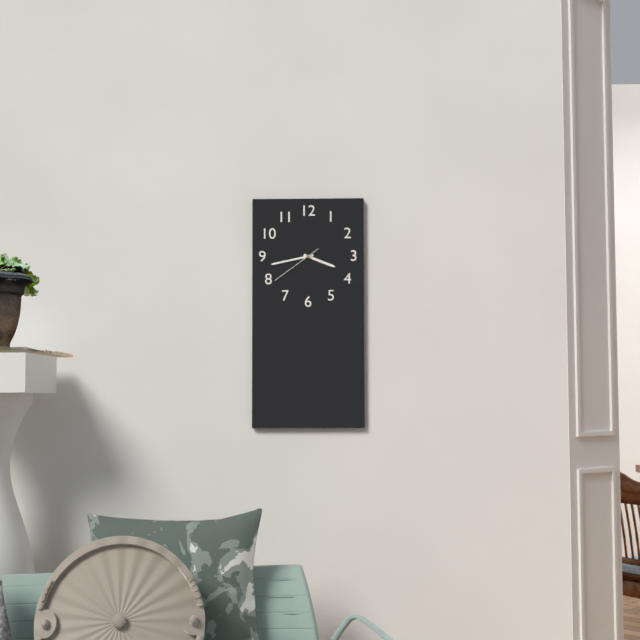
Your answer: **3:43:39**
